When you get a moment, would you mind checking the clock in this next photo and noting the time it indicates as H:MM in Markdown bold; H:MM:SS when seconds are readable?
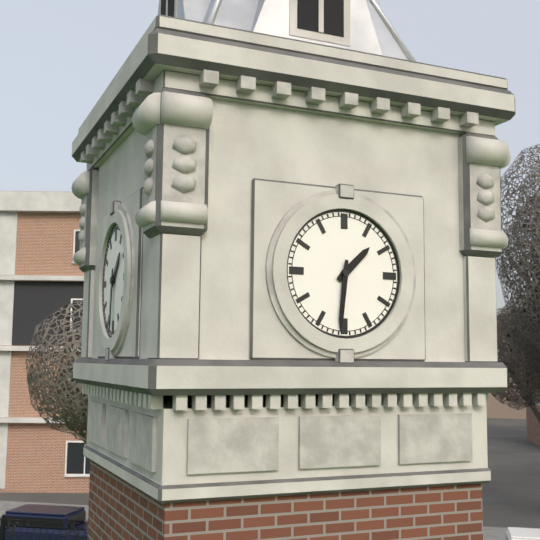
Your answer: **1:31**
